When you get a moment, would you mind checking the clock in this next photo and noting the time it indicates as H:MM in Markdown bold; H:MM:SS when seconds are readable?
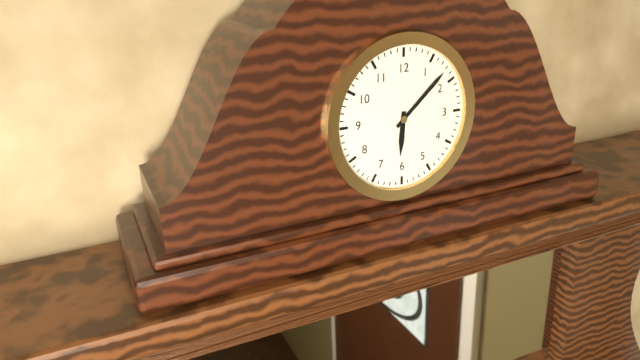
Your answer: **6:08**
